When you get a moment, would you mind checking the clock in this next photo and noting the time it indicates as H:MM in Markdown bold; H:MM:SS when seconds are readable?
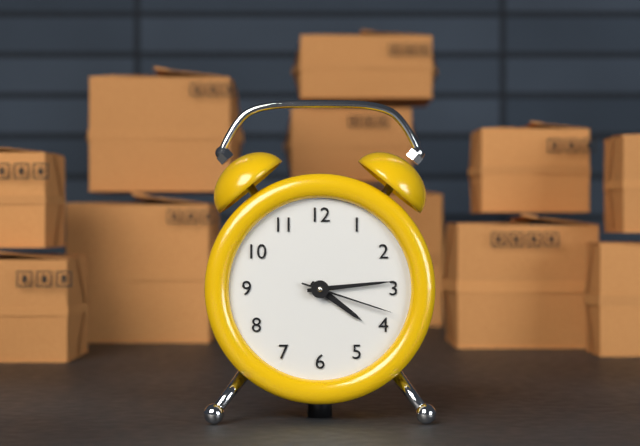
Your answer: **4:14:18**
